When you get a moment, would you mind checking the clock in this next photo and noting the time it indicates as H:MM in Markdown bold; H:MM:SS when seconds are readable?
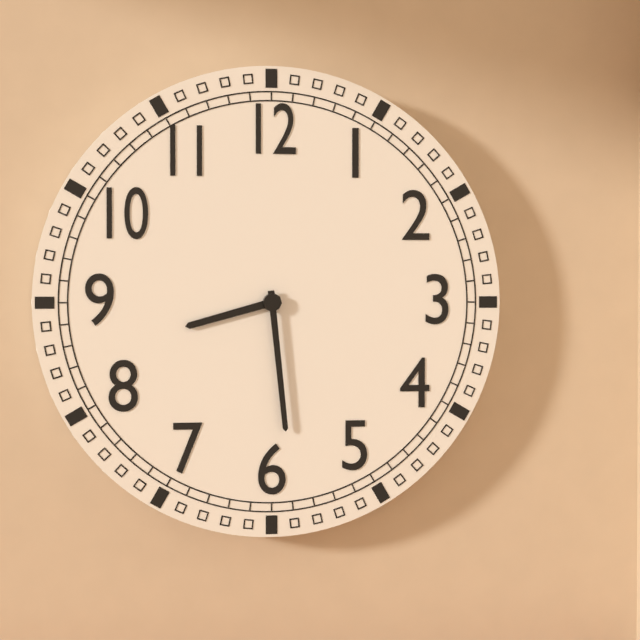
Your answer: **8:29**
